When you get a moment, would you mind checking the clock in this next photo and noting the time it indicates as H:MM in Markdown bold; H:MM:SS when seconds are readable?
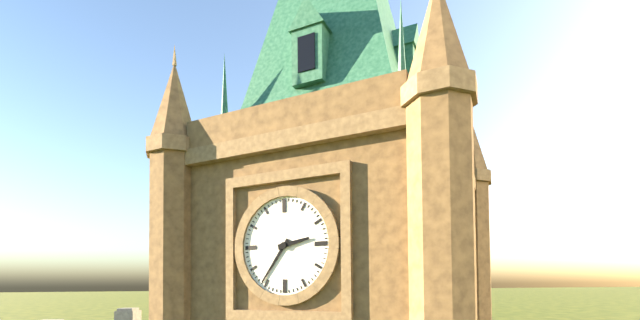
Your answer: **2:36**
